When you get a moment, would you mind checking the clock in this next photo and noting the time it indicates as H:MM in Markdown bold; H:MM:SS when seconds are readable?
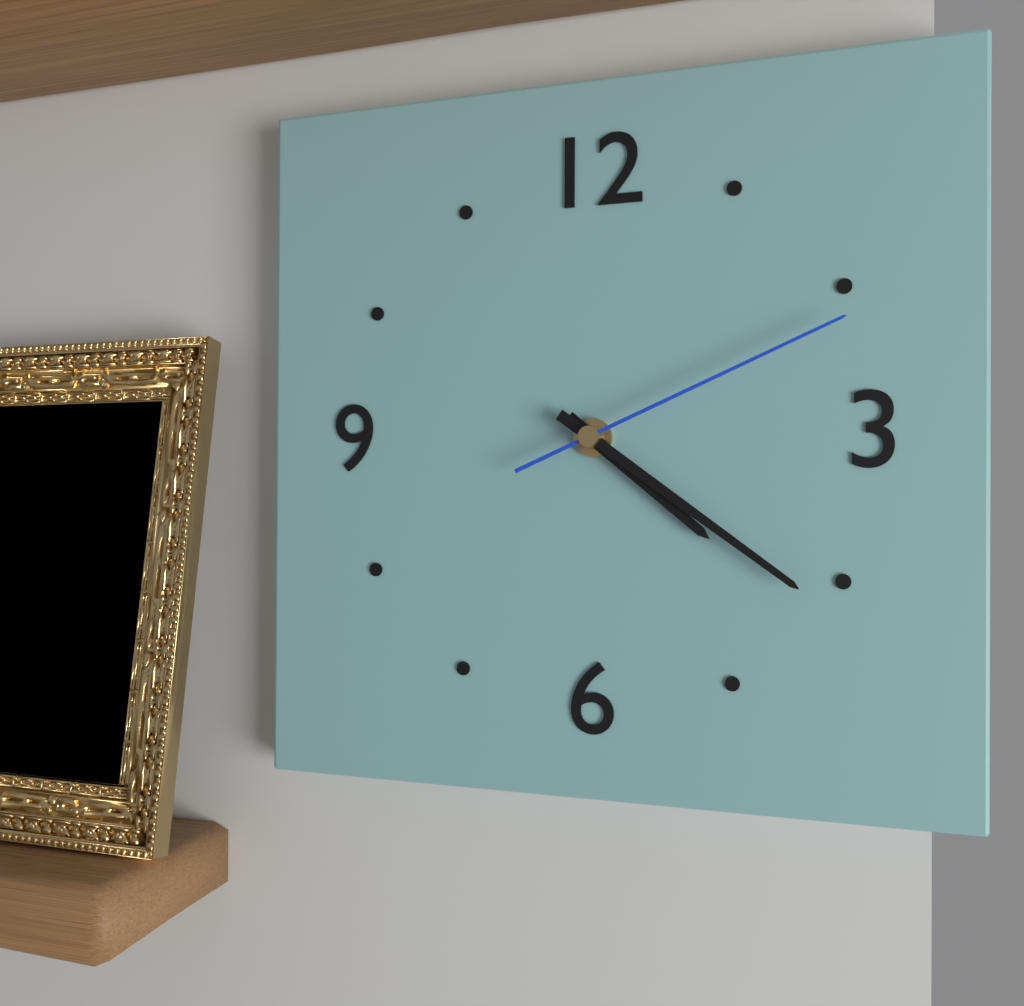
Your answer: **4:21:11**
